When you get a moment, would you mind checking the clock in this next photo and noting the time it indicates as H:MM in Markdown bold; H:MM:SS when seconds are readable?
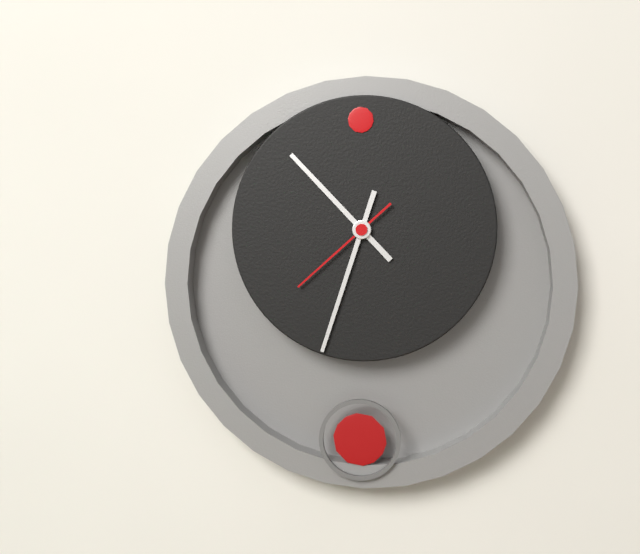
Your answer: **10:33:38**
